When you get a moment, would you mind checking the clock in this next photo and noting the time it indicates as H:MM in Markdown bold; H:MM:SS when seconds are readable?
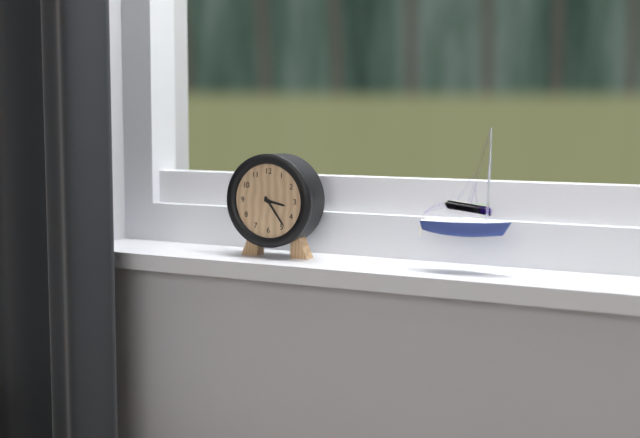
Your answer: **3:24**
